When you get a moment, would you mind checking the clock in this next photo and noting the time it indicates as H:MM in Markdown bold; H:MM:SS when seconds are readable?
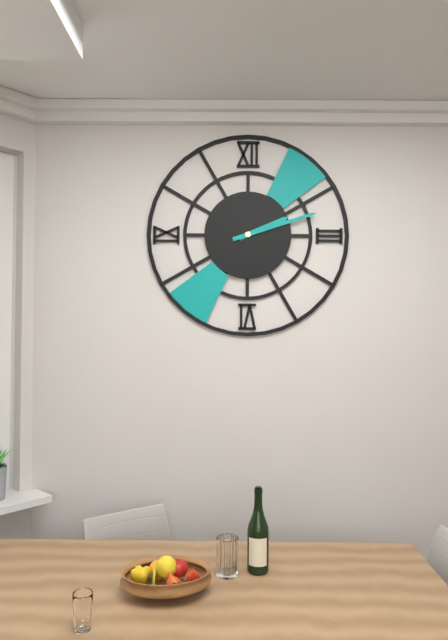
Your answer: **2:12**
